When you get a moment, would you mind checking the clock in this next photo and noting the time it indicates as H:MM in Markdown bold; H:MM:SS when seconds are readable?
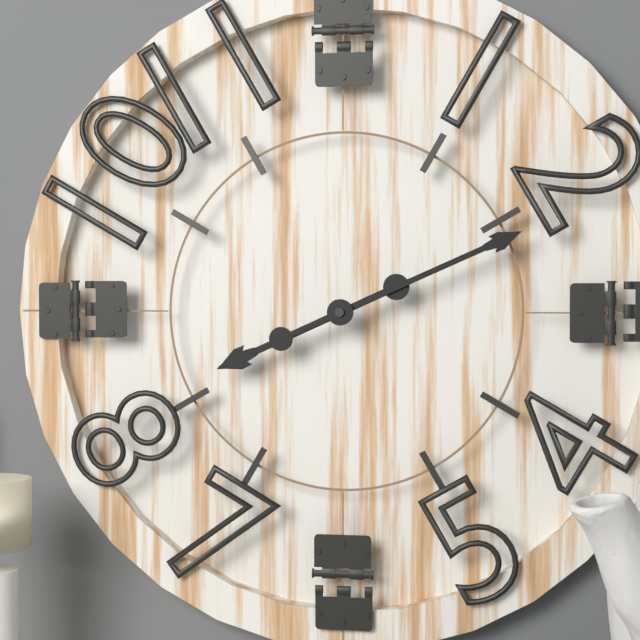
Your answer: **8:11**
